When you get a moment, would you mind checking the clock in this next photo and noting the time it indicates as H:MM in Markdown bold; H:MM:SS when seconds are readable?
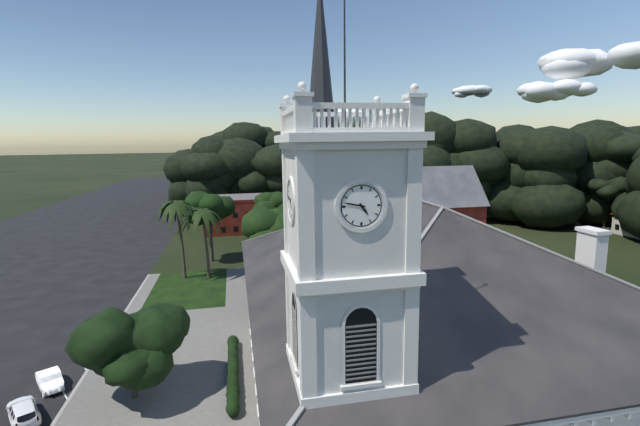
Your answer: **4:47**
